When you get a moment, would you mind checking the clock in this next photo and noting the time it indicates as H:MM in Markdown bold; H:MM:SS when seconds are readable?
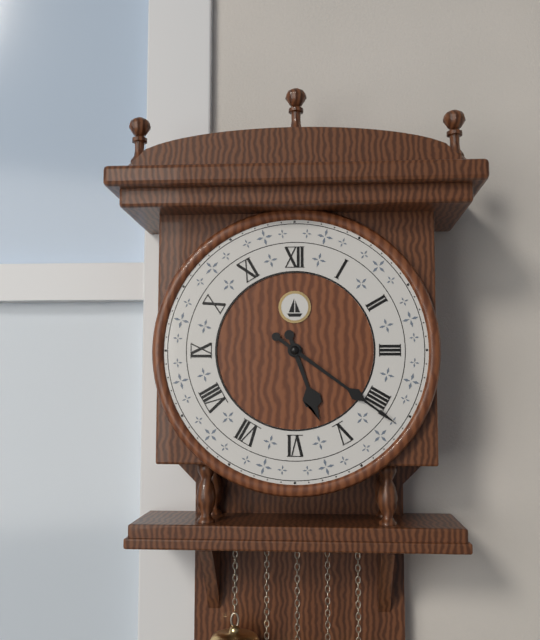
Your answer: **5:21**
